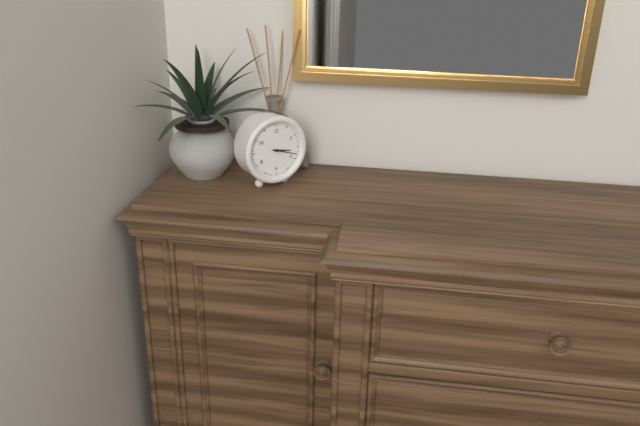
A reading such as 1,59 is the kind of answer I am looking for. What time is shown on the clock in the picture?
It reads 3,18
